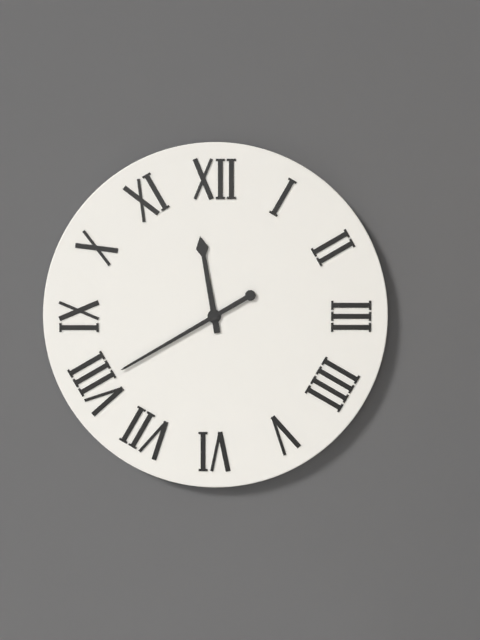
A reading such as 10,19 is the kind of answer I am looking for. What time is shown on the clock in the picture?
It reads 11,40
